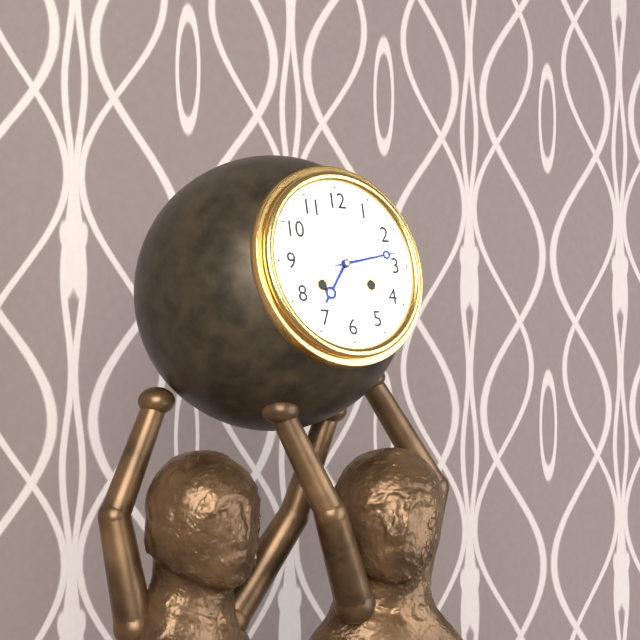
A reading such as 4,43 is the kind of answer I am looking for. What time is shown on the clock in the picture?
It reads 7,13
